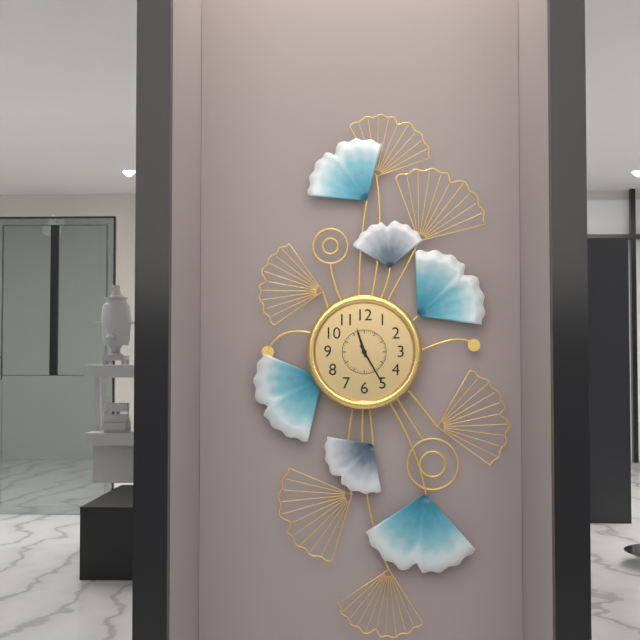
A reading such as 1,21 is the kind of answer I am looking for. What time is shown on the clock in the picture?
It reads 11,25
